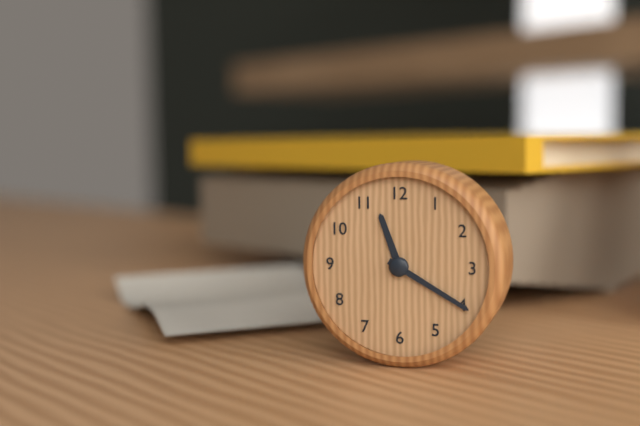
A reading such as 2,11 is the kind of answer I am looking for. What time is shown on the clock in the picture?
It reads 11,20
